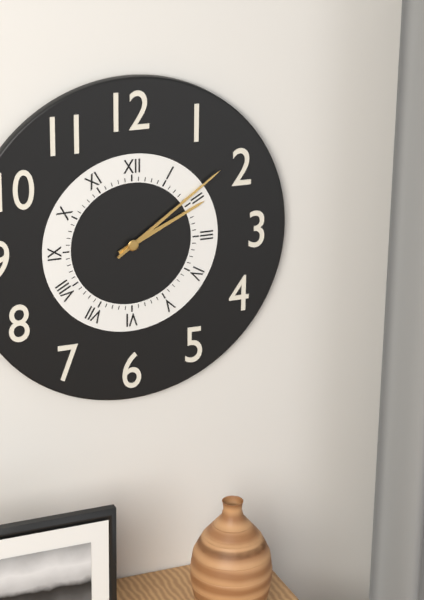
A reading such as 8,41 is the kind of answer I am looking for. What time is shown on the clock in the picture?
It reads 2,09
